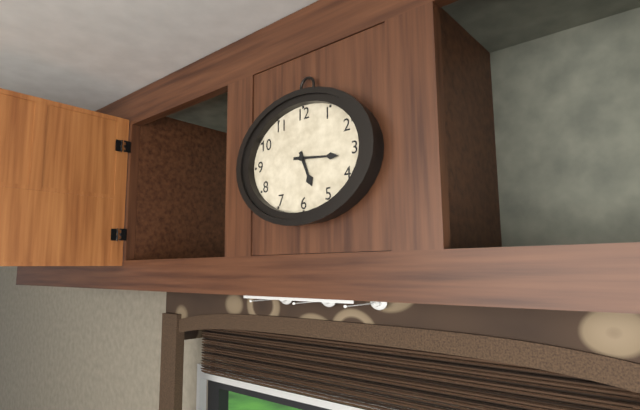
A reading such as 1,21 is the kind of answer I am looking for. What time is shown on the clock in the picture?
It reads 5,16
